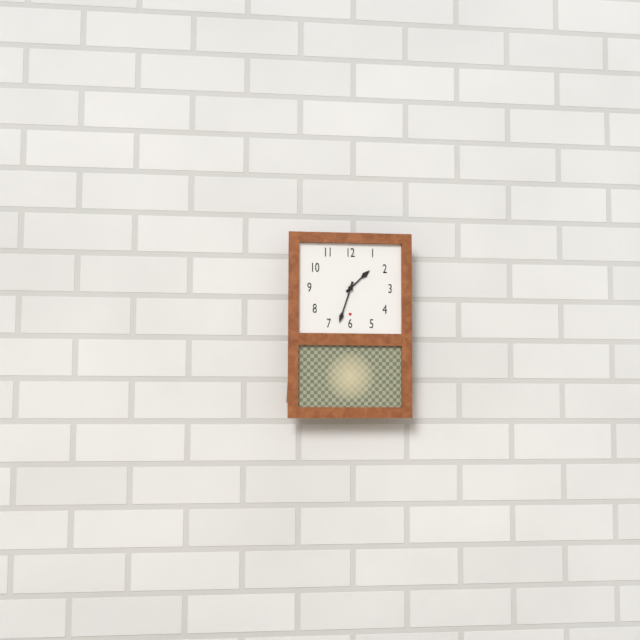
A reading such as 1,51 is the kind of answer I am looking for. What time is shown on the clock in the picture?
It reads 1,33
